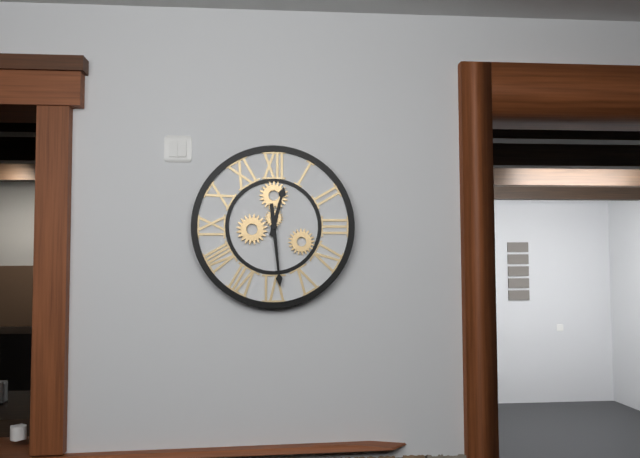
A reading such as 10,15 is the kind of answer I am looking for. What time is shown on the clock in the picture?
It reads 12,29
